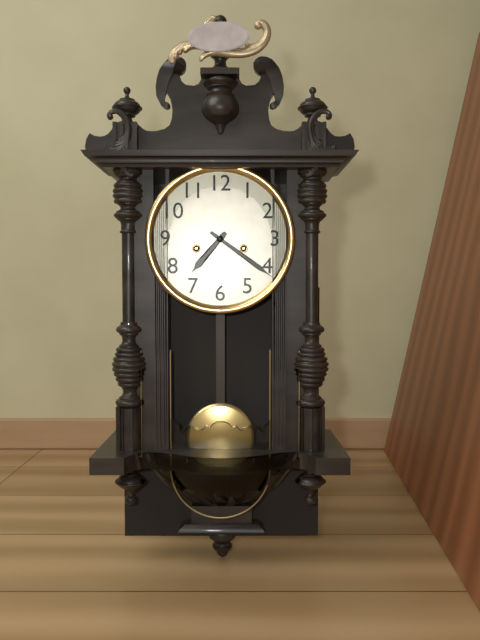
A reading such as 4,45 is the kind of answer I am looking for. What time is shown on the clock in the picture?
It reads 7,21
